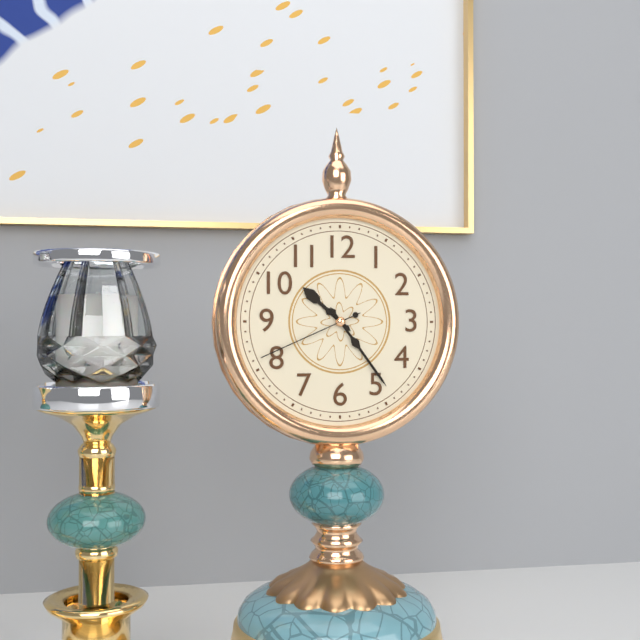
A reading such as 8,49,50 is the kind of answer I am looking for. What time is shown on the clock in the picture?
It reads 10,24,41
